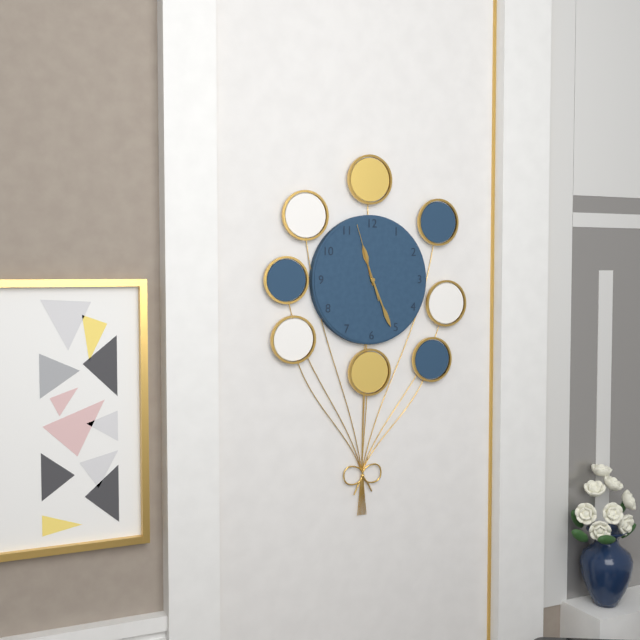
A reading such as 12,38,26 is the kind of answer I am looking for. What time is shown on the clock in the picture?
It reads 11,26,57
